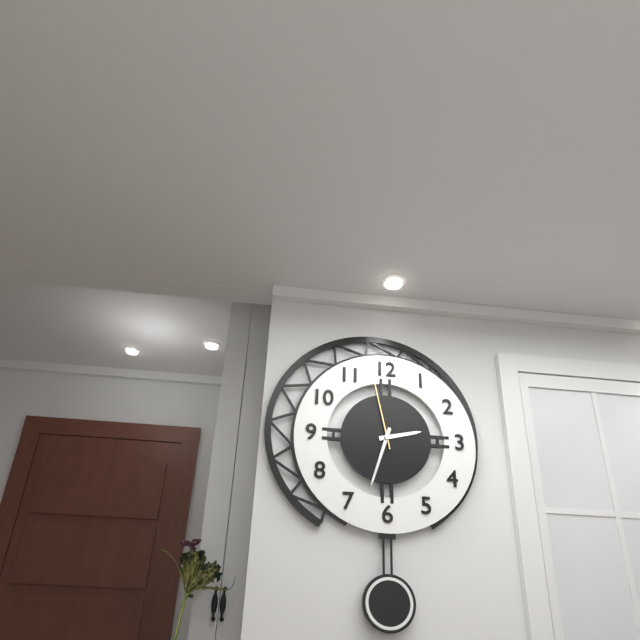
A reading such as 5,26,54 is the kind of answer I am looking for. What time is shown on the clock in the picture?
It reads 2,33,58
